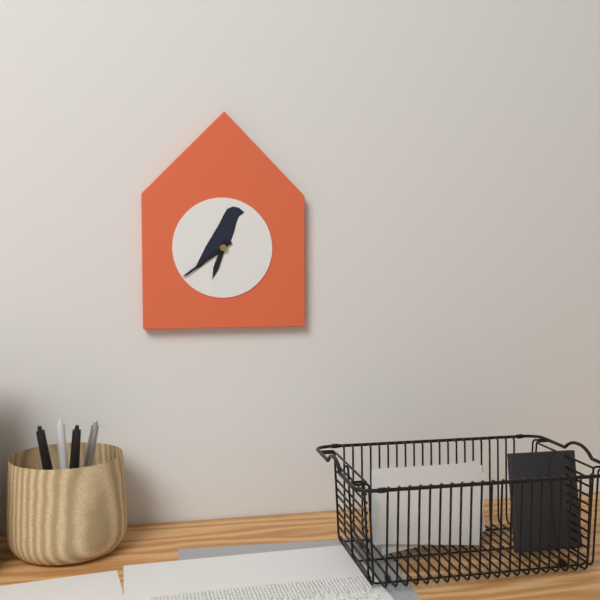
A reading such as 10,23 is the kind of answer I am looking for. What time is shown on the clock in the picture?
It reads 6,39
